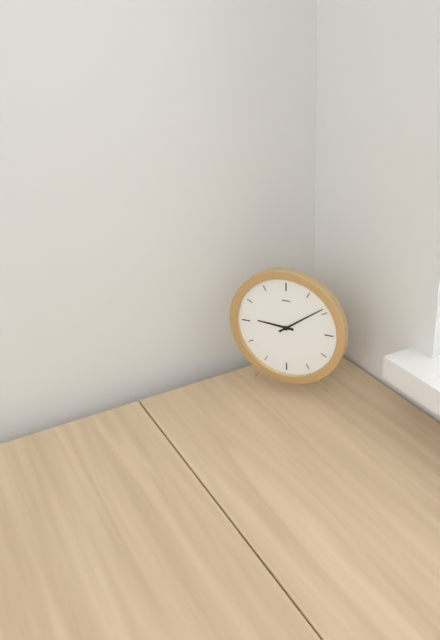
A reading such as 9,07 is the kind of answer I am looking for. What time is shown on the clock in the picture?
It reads 9,09
